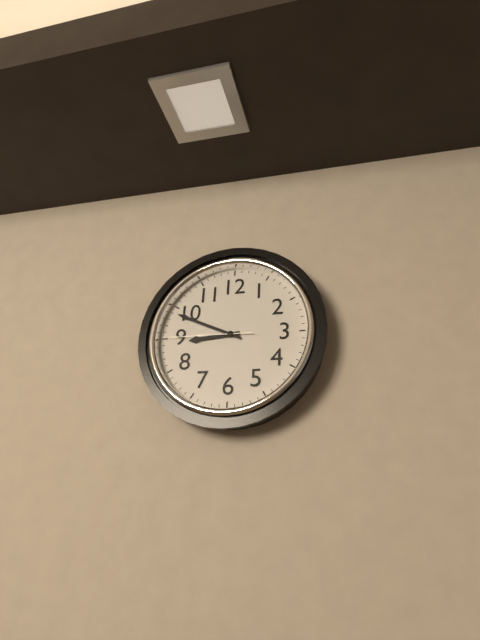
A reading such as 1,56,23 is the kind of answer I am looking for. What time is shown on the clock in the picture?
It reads 8,49,45
